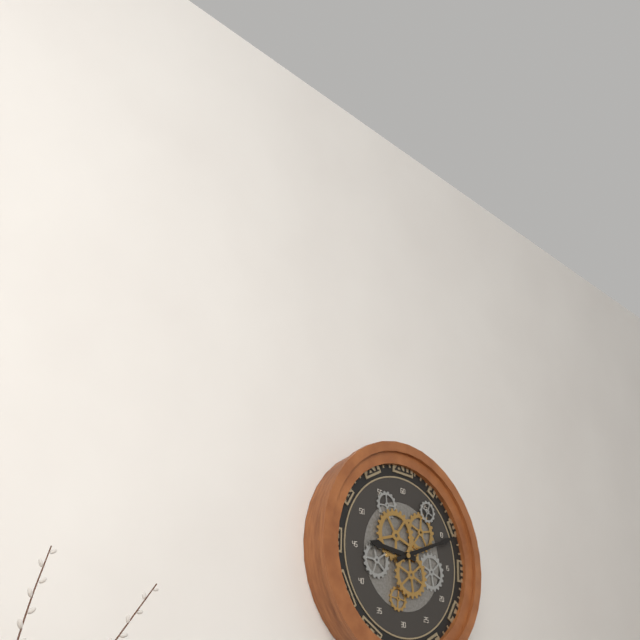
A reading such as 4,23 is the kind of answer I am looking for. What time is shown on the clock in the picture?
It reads 9,11
